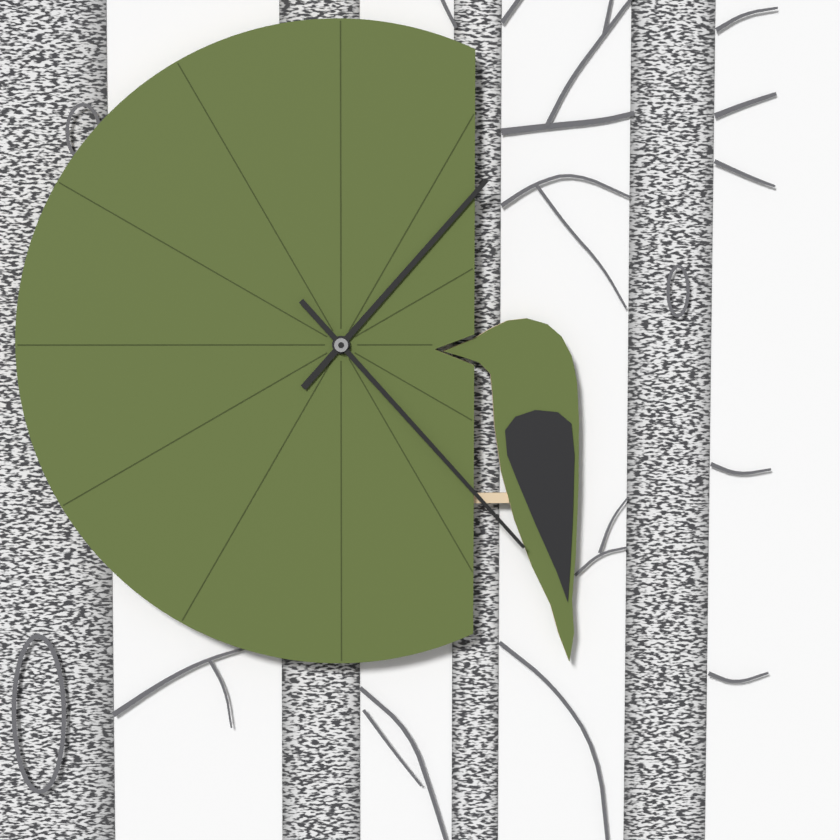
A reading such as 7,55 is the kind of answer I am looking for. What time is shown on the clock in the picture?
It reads 1,23
